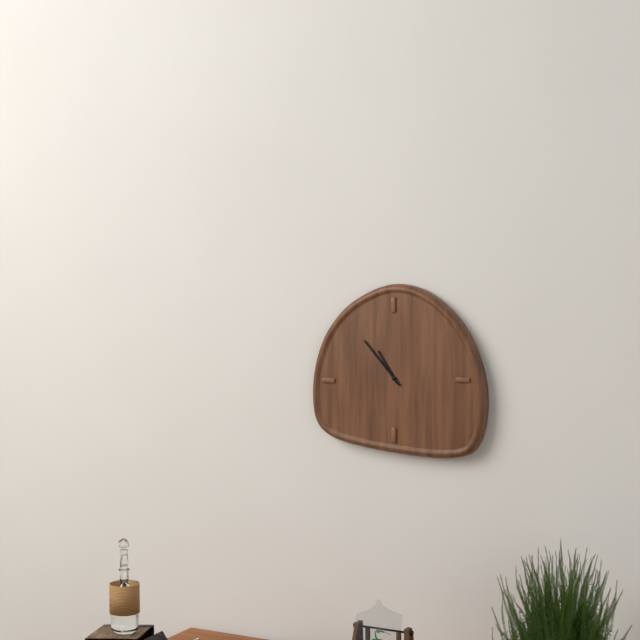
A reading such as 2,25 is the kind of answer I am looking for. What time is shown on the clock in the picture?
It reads 10,53
